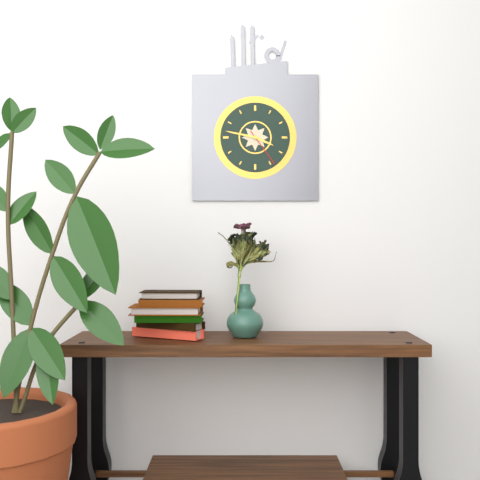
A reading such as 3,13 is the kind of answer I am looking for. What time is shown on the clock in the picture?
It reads 3,47
